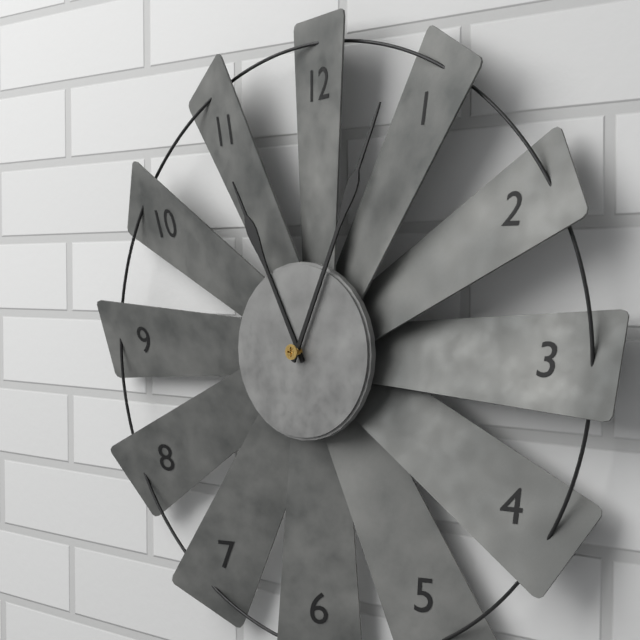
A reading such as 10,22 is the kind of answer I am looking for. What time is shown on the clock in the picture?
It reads 11,04
